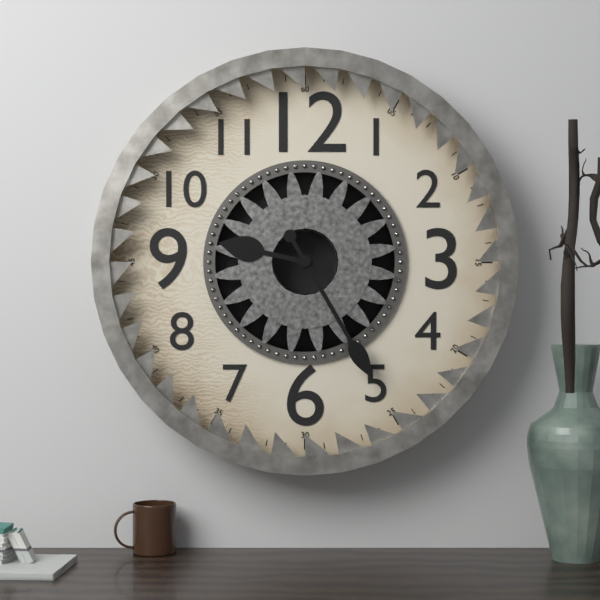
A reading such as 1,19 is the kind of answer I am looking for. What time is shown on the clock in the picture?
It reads 9,25
